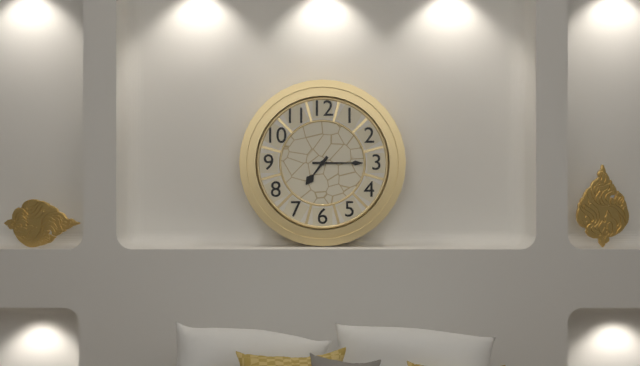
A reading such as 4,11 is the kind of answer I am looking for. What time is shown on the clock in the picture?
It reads 7,15
